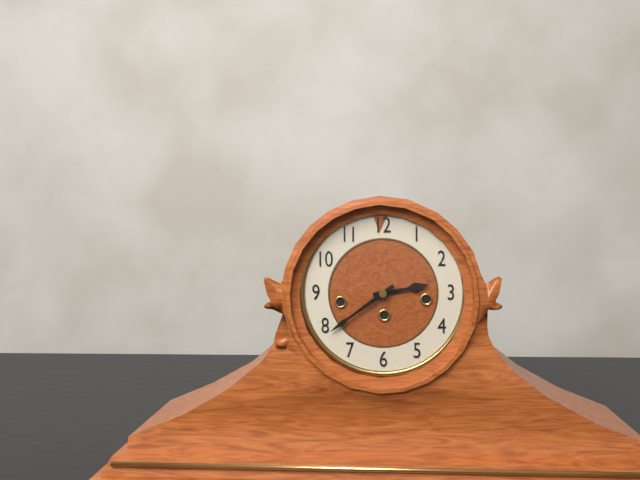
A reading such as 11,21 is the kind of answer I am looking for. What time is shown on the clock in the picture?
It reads 2,39
